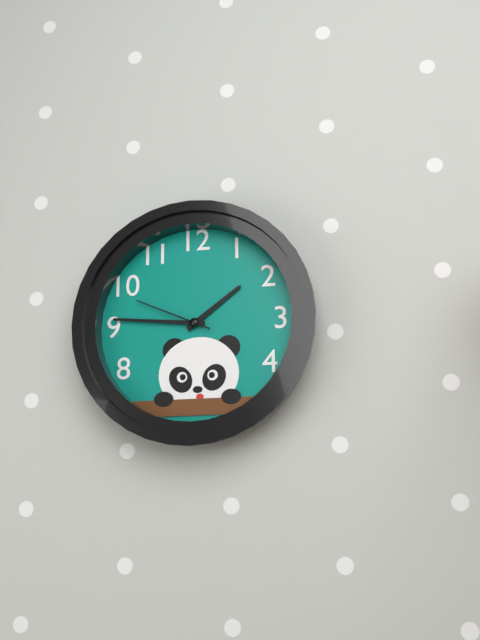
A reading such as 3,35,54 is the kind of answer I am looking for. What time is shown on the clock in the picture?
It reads 1,46,49
